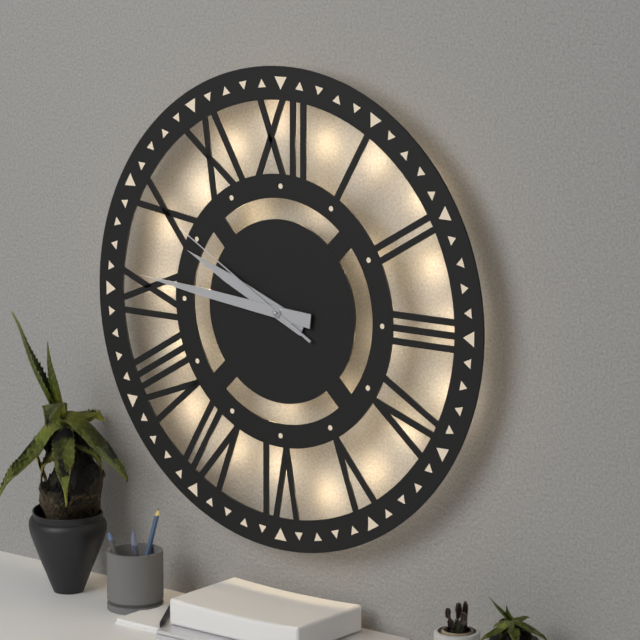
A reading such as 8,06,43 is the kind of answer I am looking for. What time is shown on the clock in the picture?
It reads 9,46,50
